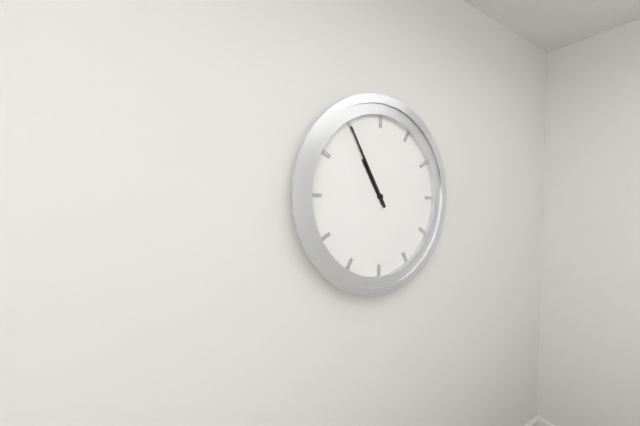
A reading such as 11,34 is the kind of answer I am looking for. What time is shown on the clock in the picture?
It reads 10,55
